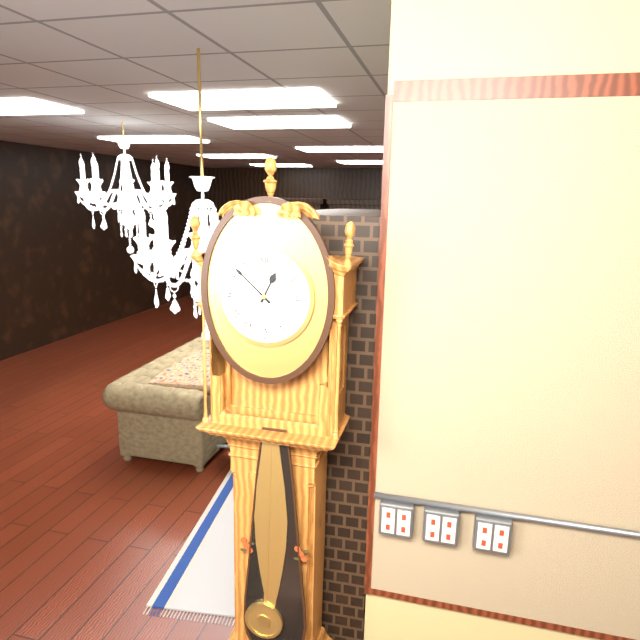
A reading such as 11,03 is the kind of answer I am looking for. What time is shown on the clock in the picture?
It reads 12,52
